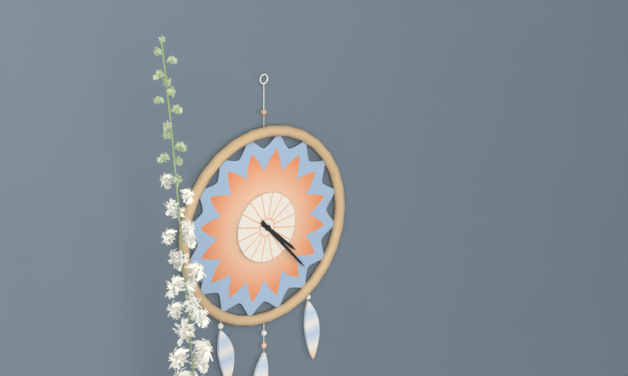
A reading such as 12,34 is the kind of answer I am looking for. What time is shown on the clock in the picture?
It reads 4,23
